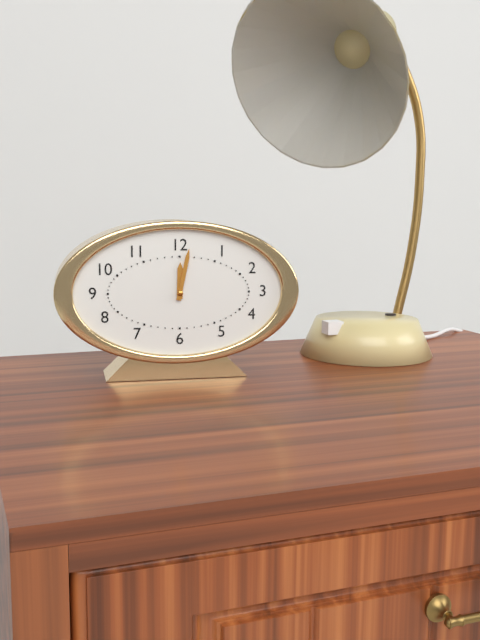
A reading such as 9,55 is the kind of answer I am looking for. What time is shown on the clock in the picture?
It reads 12,02
